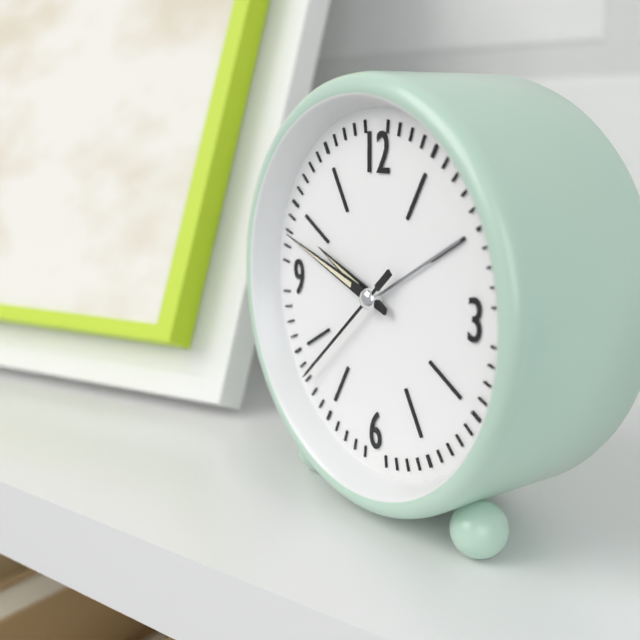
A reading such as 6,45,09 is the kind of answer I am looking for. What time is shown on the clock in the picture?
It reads 9,48,38
